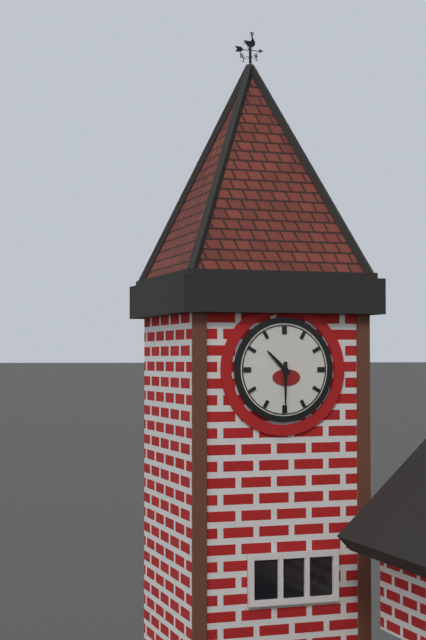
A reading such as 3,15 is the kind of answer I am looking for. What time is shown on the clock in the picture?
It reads 10,30
